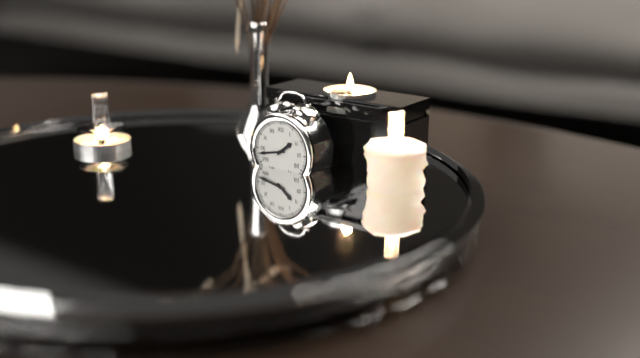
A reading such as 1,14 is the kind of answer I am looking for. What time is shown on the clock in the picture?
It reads 1,43
